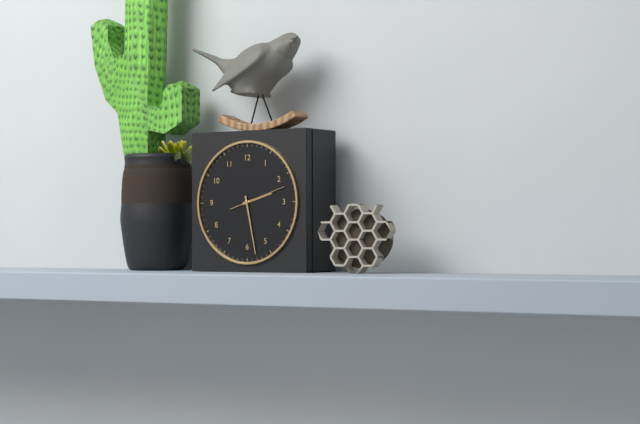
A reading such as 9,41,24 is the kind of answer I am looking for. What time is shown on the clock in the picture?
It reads 2,28,12
